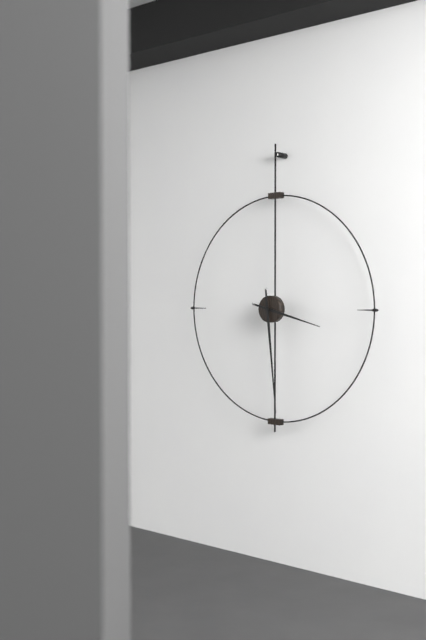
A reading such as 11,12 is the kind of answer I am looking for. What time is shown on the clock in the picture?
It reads 3,29
